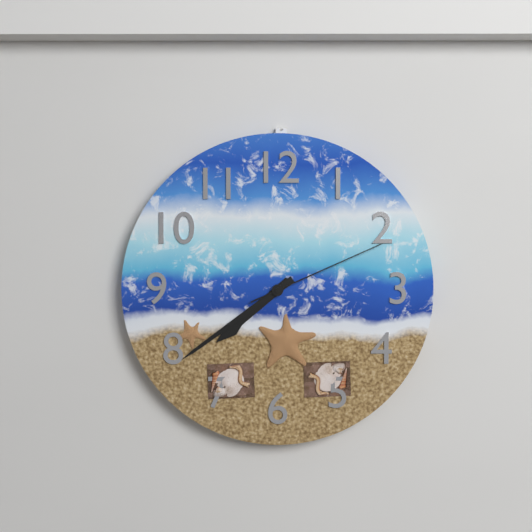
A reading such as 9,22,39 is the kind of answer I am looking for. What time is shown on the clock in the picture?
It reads 7,39,11
